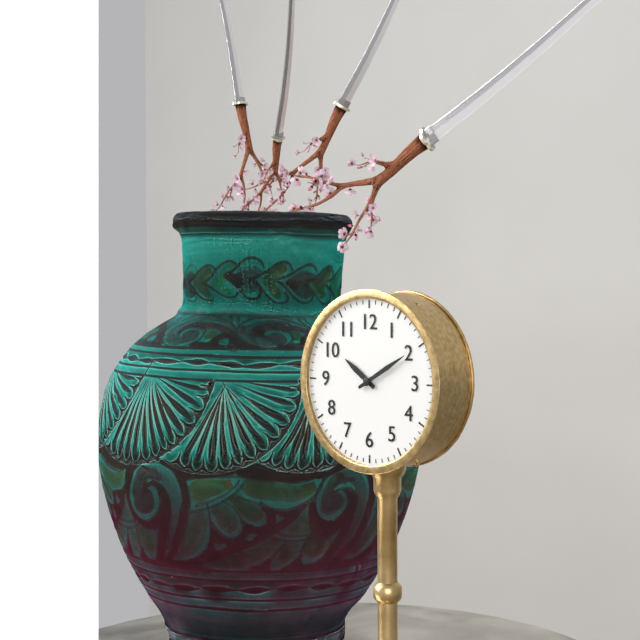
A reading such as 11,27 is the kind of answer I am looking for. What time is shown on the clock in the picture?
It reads 10,10
